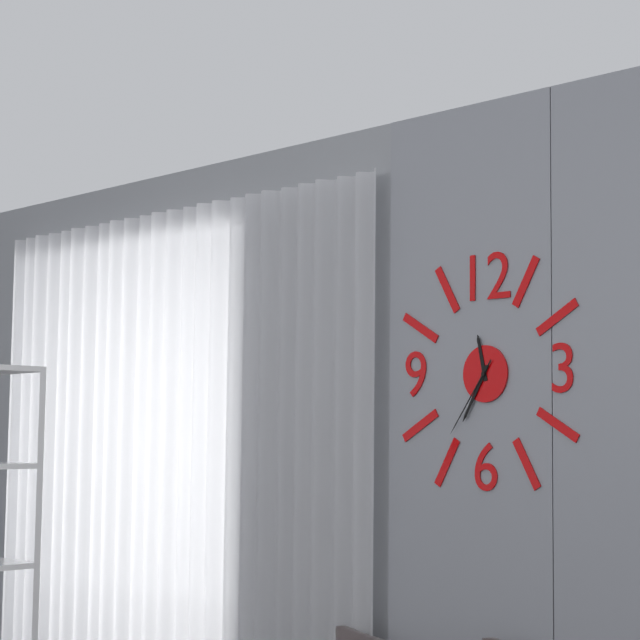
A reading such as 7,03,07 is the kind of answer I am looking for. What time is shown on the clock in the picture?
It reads 11,35,36
